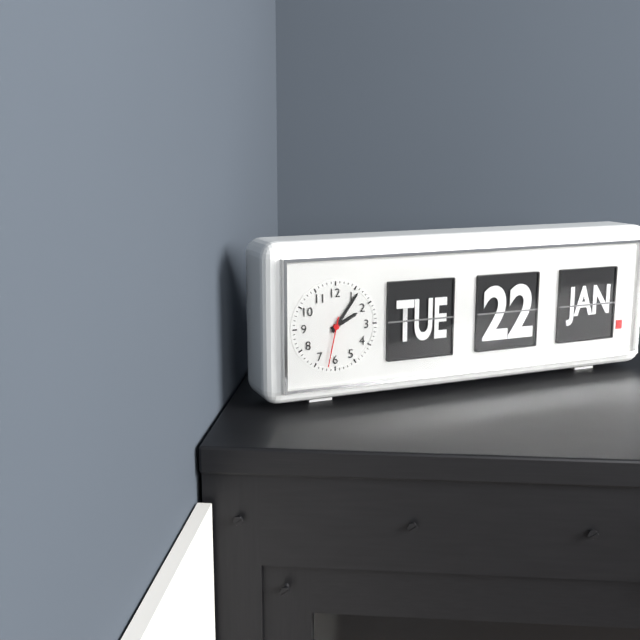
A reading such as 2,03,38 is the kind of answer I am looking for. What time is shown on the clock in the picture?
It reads 2,06,32
